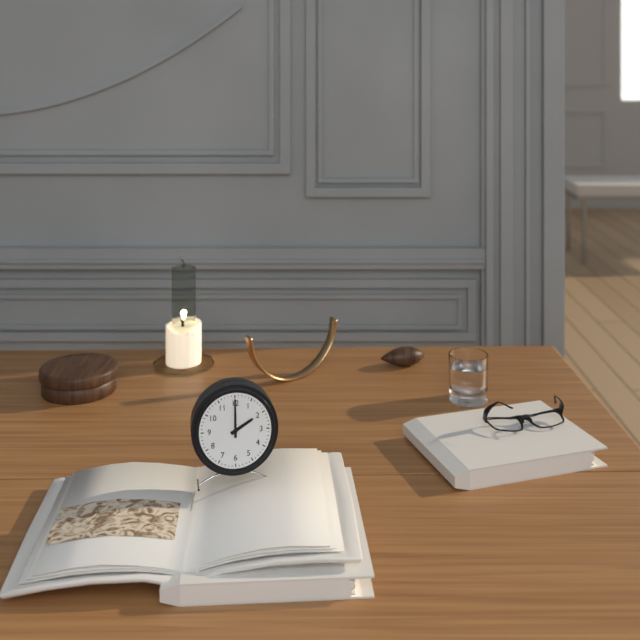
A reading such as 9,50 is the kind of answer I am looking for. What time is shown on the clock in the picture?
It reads 2,00
